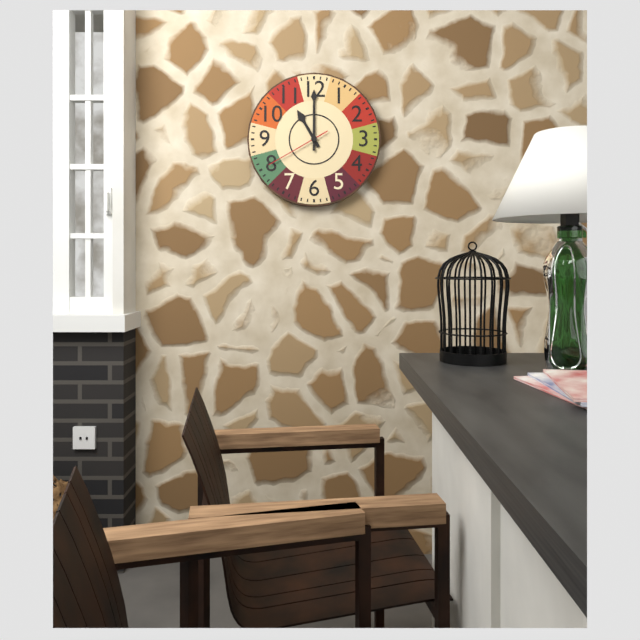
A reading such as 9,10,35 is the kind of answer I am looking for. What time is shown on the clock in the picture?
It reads 11,00,40
